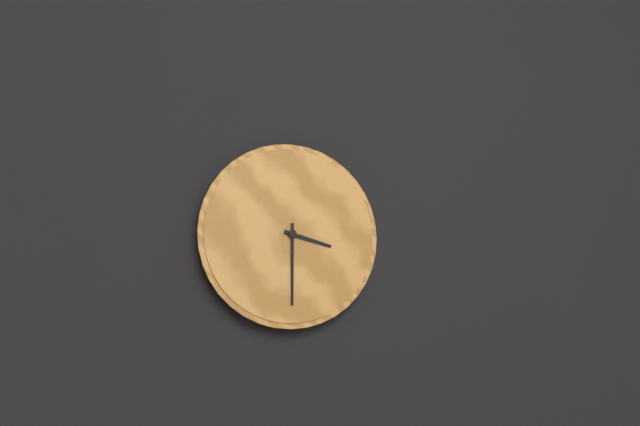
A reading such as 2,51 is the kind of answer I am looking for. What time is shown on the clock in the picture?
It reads 3,30
